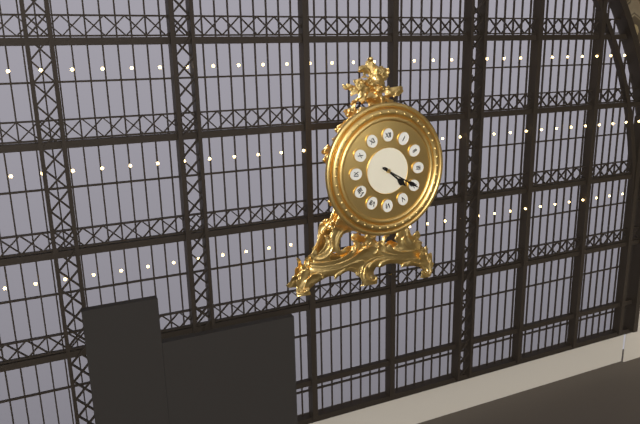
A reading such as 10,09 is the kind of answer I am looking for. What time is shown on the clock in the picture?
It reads 4,20
